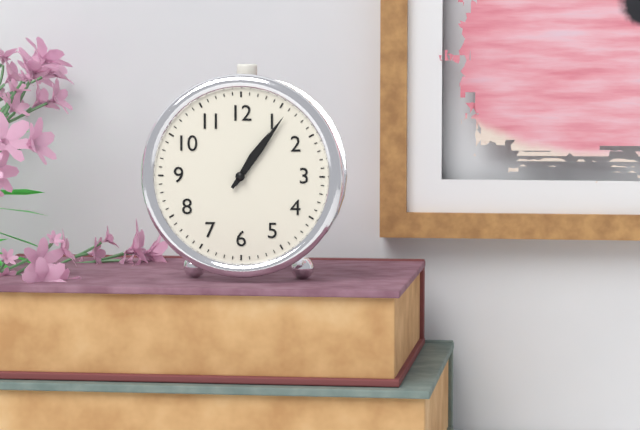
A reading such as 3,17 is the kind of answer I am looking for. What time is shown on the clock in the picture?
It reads 1,06
